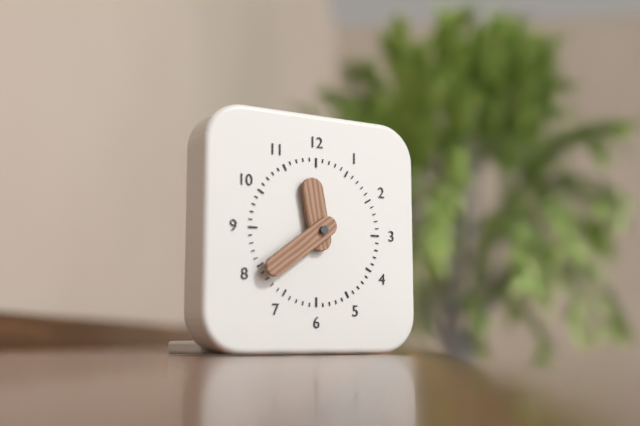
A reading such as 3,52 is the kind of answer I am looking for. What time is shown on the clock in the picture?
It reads 11,39
